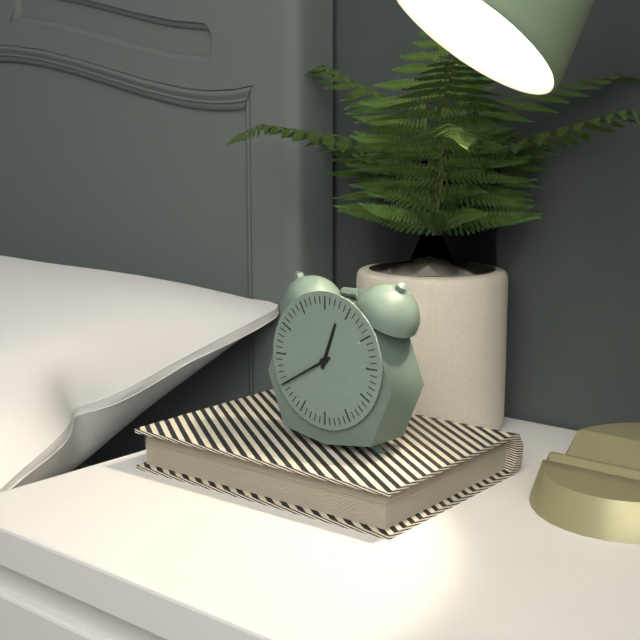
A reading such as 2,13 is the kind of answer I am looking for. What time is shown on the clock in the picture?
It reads 12,40
